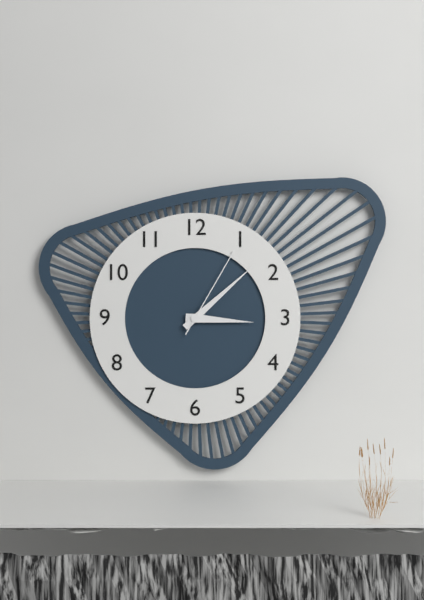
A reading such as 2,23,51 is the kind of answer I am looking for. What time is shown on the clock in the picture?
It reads 3,08,05
